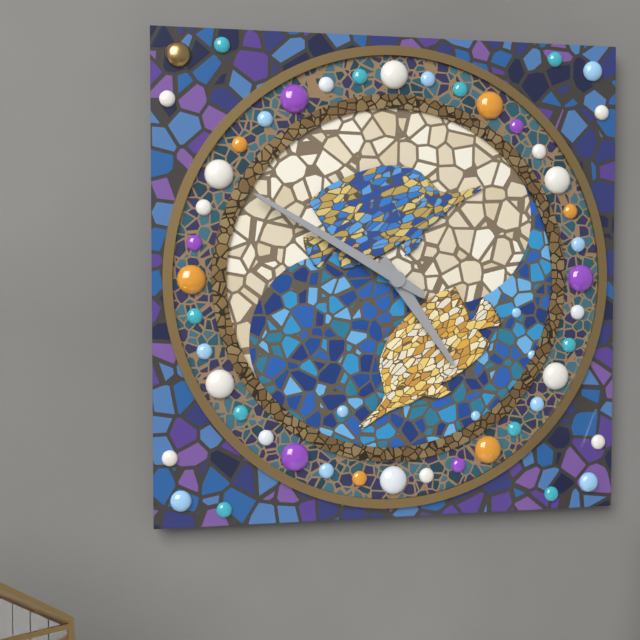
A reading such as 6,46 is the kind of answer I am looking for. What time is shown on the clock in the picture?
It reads 4,50
